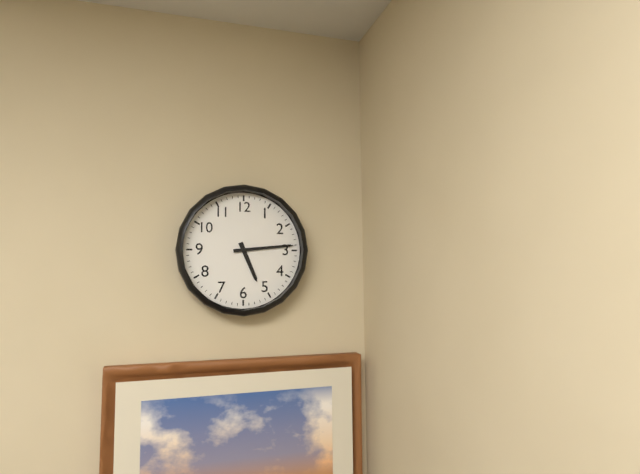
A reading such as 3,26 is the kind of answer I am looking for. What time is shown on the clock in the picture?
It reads 5,14
